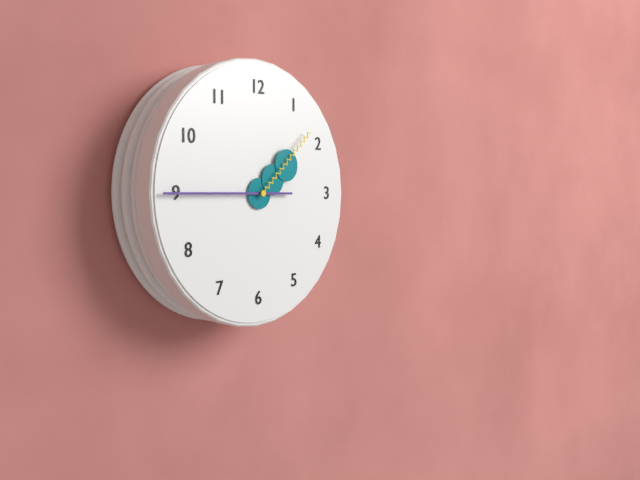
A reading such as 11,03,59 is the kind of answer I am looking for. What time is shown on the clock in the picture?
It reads 1,45,08
